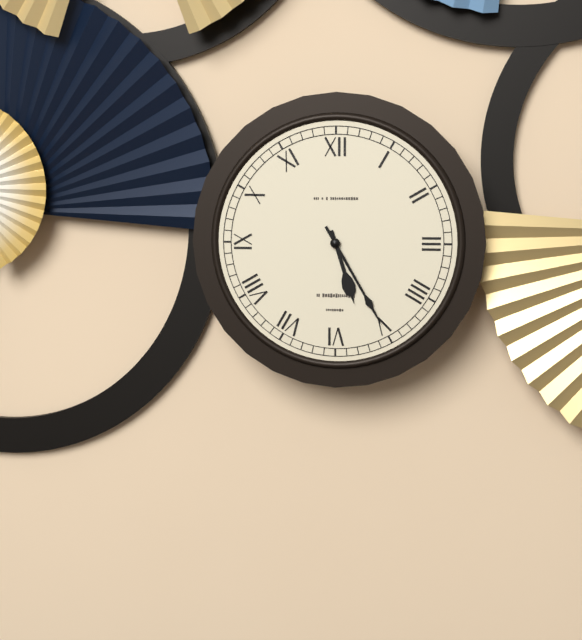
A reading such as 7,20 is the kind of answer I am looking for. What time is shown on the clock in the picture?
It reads 5,25
